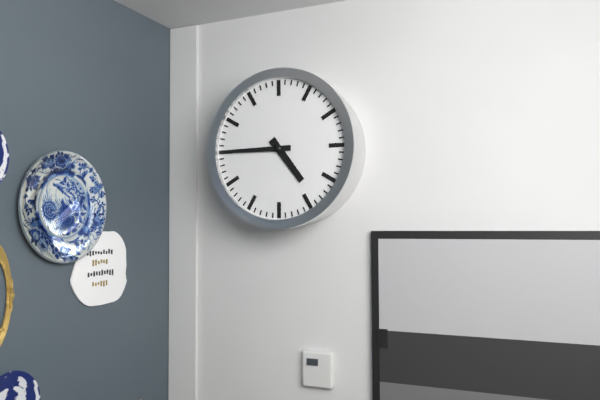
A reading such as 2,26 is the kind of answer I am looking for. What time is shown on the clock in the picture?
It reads 4,45
